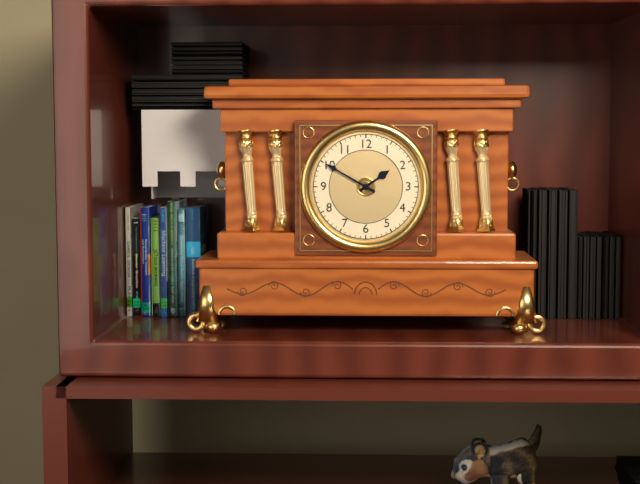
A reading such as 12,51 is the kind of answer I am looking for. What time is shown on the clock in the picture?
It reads 1,50
